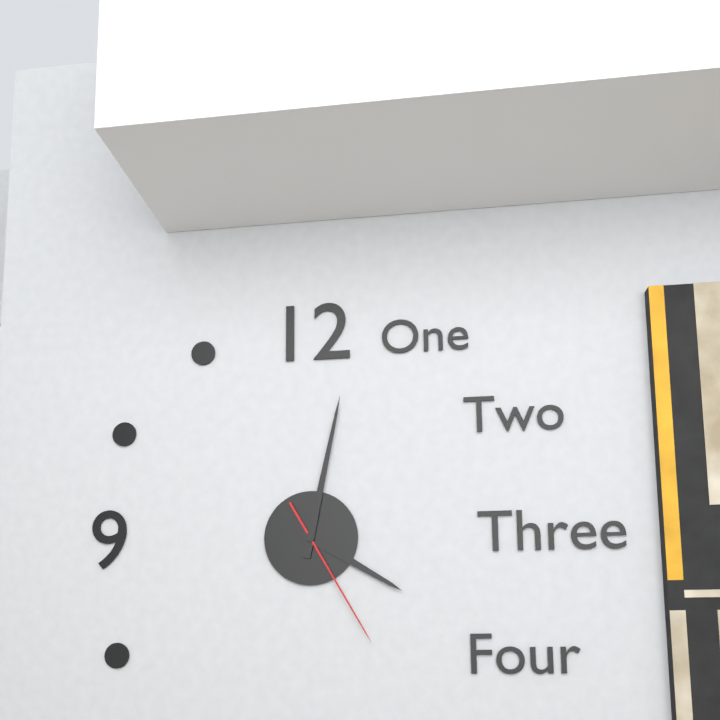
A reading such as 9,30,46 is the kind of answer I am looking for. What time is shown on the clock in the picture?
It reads 4,02,25
